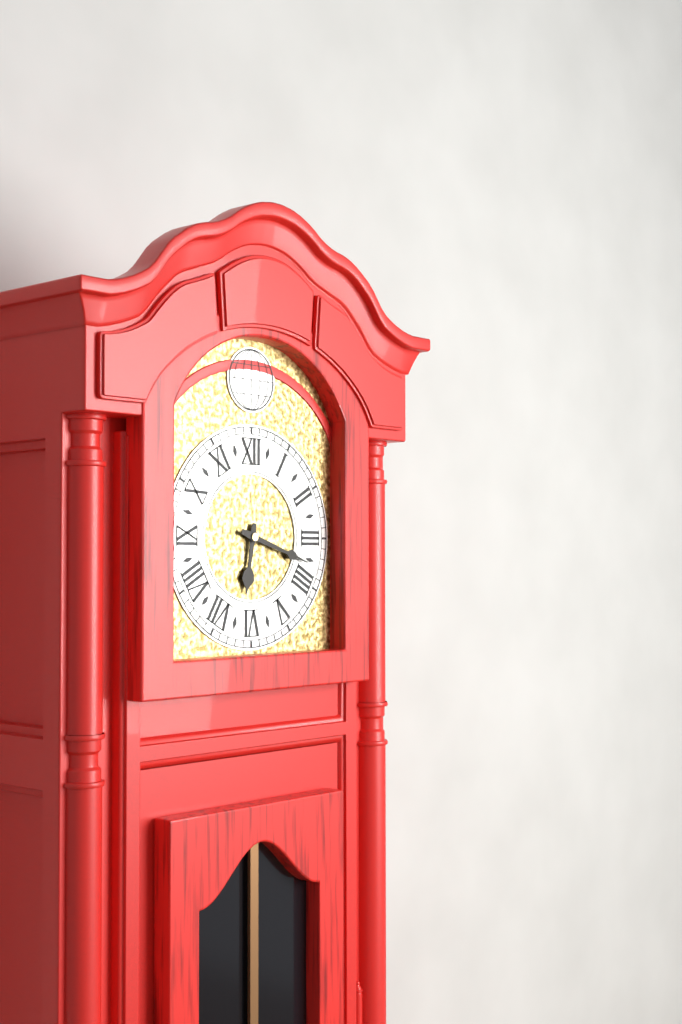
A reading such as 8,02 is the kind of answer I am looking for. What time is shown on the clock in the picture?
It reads 6,18
